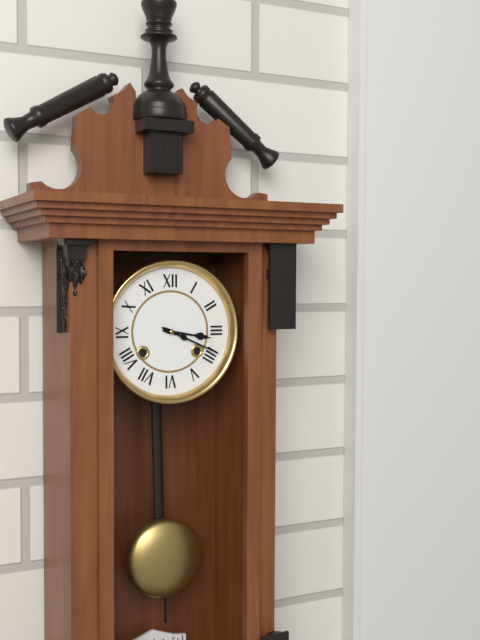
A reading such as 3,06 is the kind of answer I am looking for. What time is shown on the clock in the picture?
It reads 3,19
